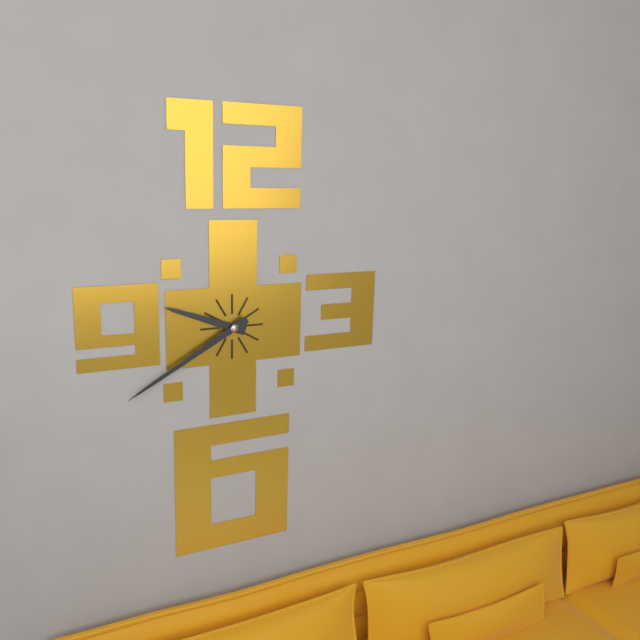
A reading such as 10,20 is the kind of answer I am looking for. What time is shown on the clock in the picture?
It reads 9,40
